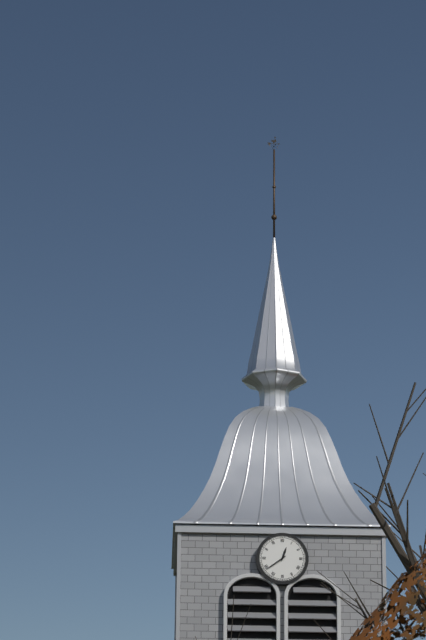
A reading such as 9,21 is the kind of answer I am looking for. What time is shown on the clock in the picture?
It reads 12,39
